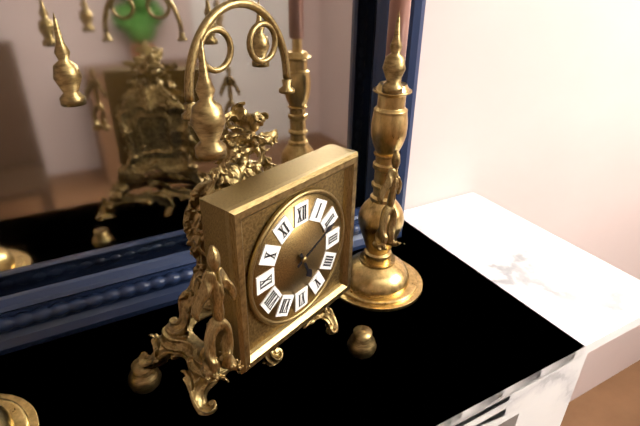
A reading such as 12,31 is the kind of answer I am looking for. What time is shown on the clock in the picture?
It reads 5,11
